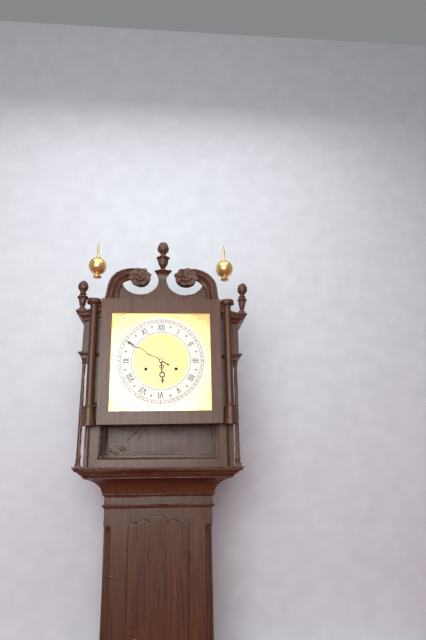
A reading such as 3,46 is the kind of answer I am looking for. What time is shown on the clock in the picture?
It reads 5,50
